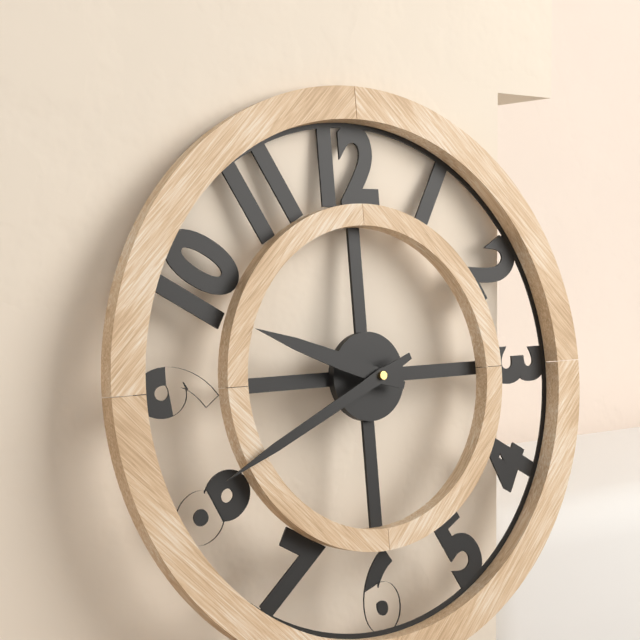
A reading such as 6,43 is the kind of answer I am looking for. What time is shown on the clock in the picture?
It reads 9,41
